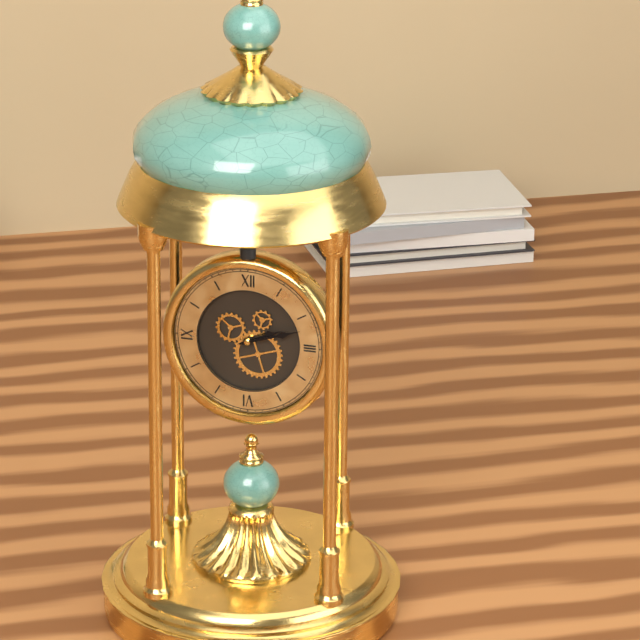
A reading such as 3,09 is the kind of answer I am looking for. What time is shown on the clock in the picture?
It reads 2,12
